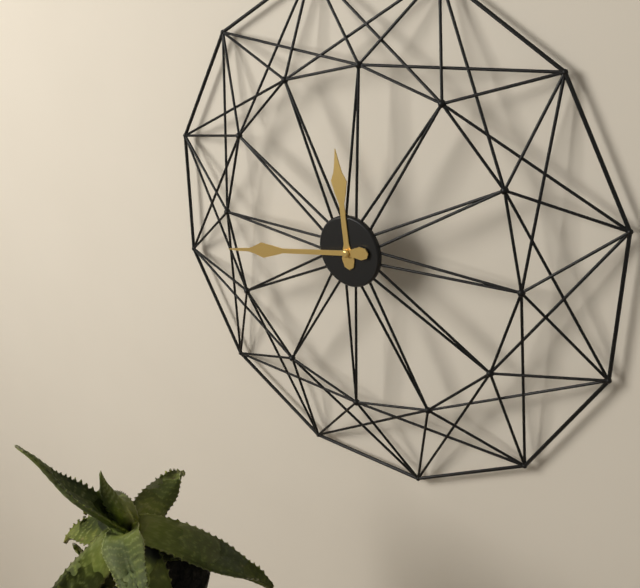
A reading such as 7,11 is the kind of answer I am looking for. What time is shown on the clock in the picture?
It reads 11,43
